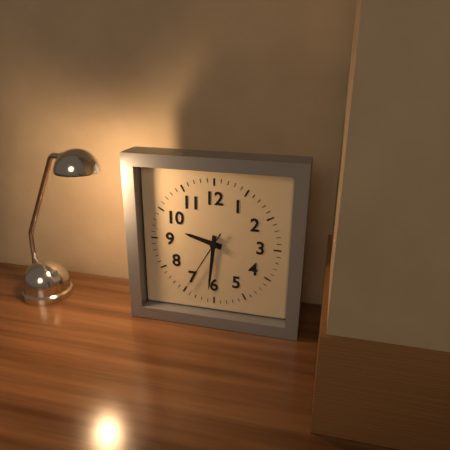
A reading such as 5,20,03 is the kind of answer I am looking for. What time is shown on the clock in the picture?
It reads 9,31,35
